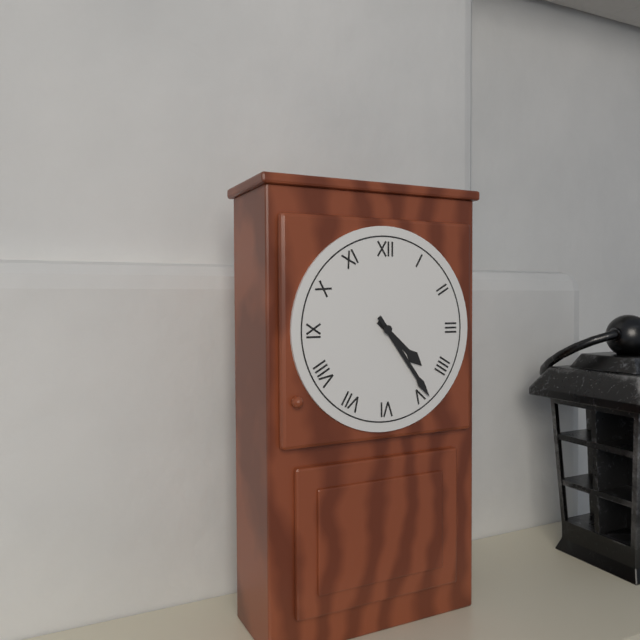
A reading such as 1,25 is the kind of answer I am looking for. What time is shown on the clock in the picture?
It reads 4,24
